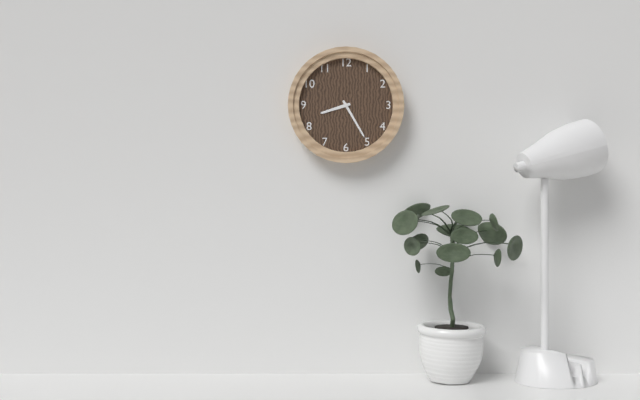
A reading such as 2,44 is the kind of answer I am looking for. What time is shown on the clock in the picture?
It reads 8,25
